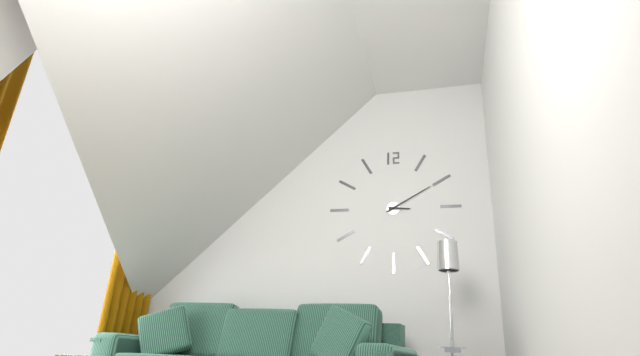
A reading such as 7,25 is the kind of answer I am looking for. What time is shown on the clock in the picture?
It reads 3,10
